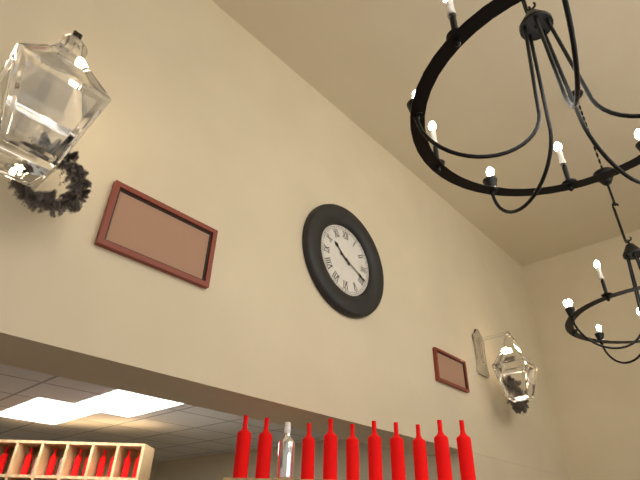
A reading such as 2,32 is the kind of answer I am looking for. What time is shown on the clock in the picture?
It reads 10,19
